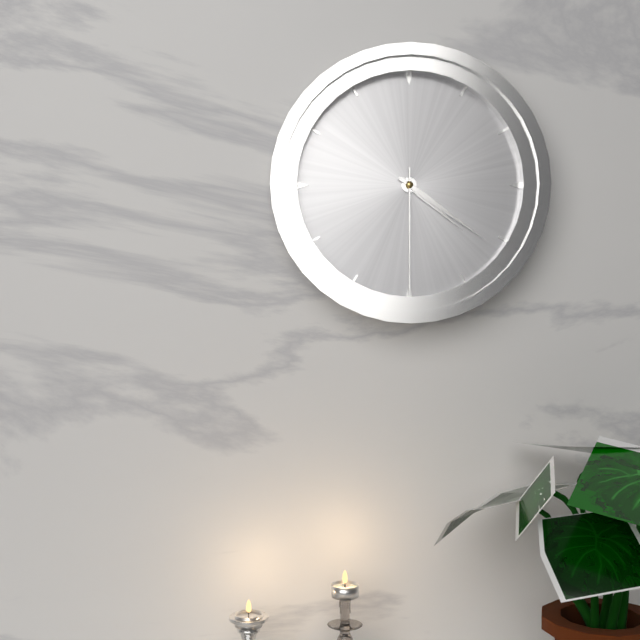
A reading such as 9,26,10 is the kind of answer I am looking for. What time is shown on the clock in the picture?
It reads 4,21,30
